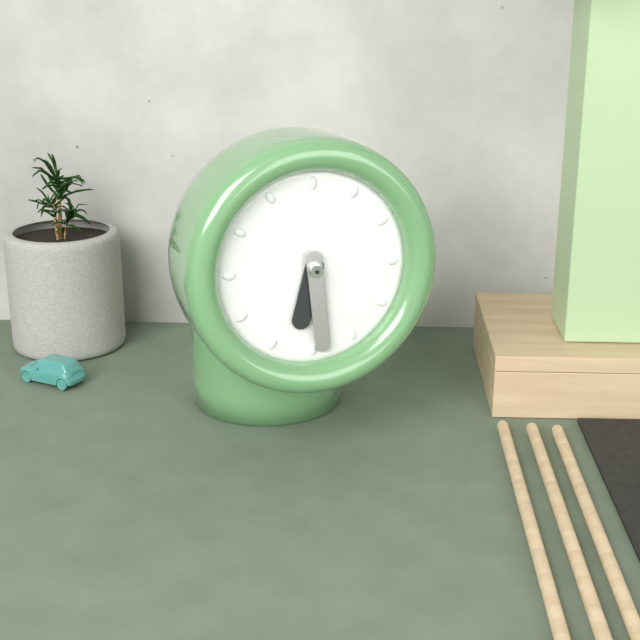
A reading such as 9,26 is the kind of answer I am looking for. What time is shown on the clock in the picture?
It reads 6,29
